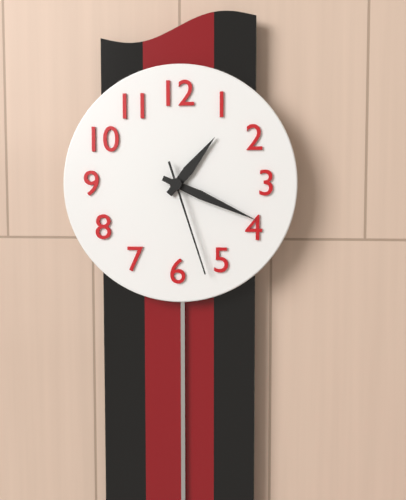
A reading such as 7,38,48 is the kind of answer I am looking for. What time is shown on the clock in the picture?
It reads 1,19,27
